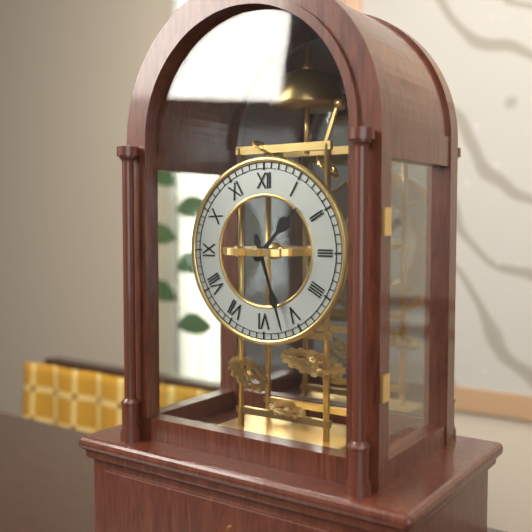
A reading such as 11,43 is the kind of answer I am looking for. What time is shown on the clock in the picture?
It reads 1,27
